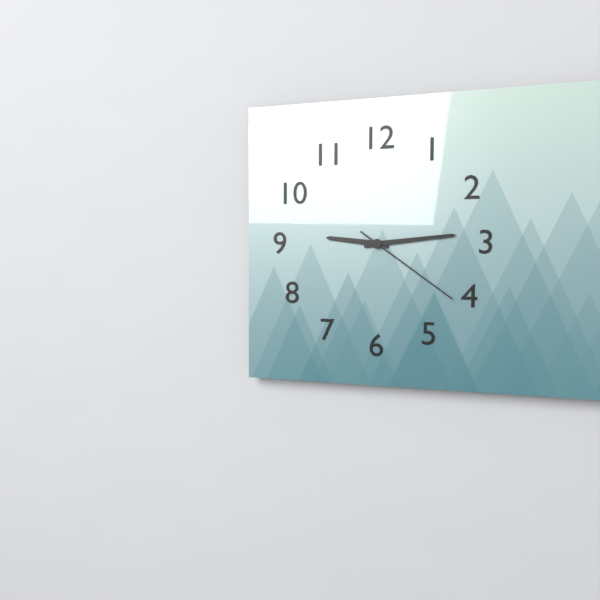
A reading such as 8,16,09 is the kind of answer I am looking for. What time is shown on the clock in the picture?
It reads 9,14,21
